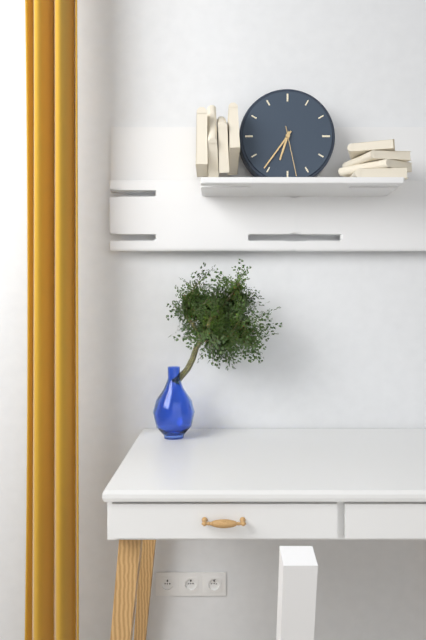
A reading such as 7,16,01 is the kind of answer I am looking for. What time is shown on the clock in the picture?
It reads 6,36,28
